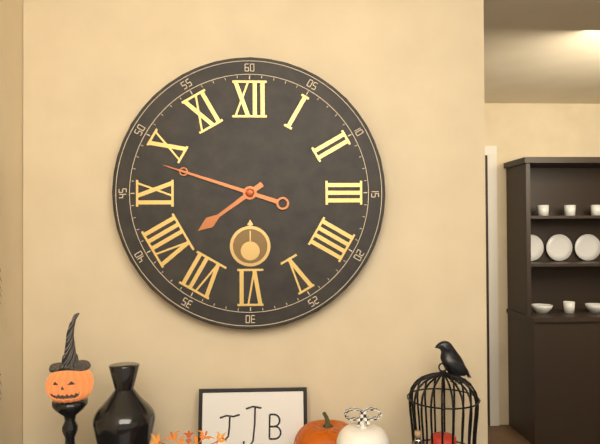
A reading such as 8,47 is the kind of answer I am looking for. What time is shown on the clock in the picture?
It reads 7,48
